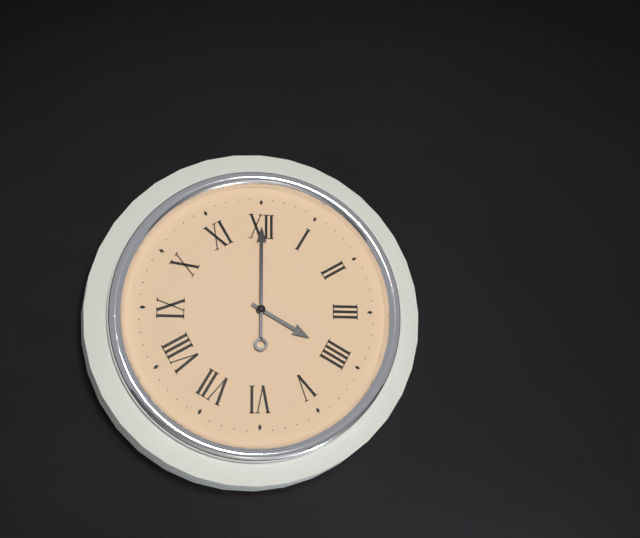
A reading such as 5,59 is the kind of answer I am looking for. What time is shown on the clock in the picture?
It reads 4,00
